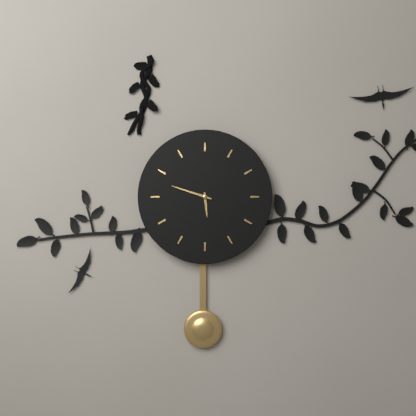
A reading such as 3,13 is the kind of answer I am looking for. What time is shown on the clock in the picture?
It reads 5,48
